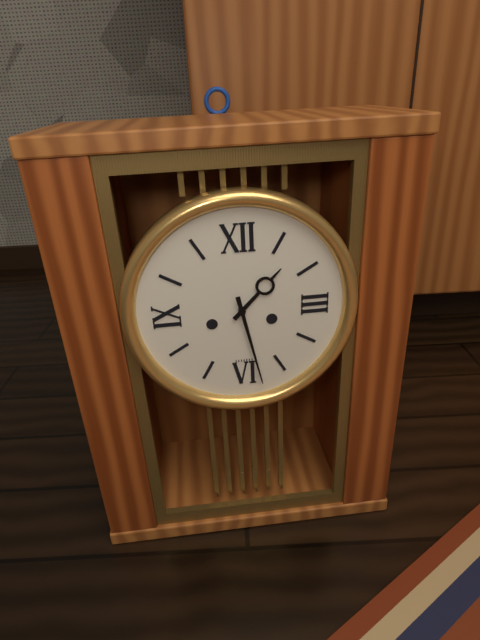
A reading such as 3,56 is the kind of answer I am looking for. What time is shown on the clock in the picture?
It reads 1,28
